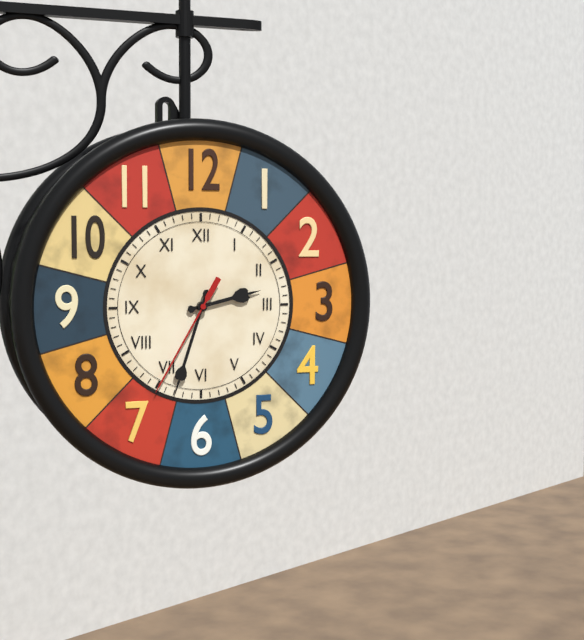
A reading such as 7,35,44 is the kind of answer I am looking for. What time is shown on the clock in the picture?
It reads 2,33,35
